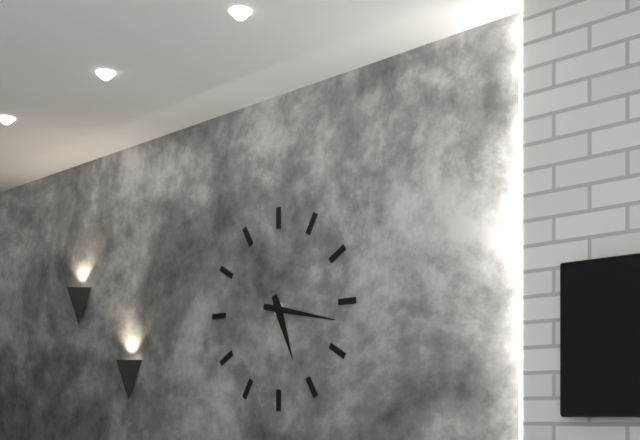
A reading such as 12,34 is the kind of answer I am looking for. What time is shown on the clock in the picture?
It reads 5,17
